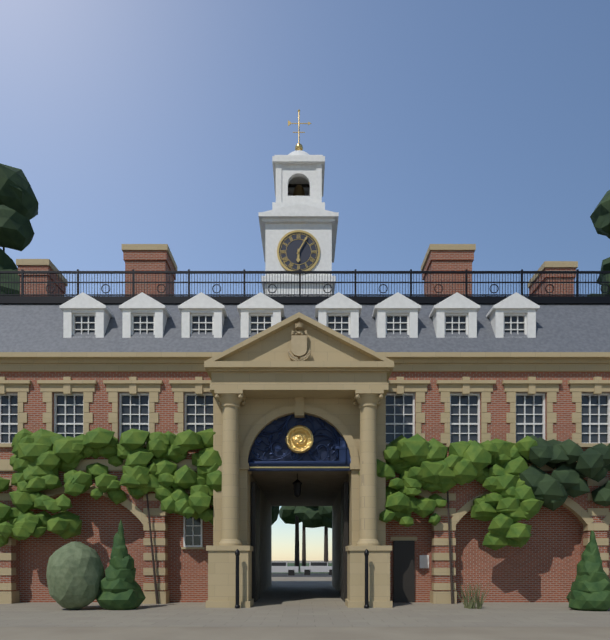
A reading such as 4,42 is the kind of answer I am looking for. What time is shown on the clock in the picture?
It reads 6,05
